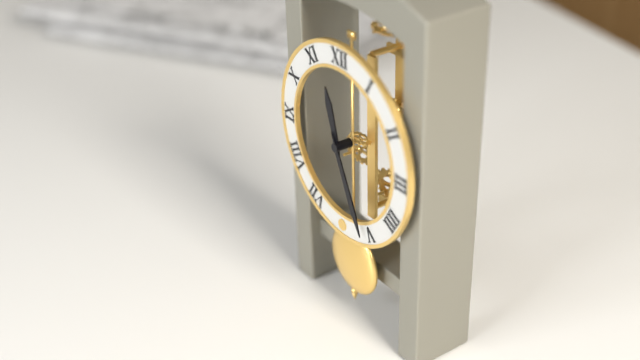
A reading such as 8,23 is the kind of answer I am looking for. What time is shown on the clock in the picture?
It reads 11,26
